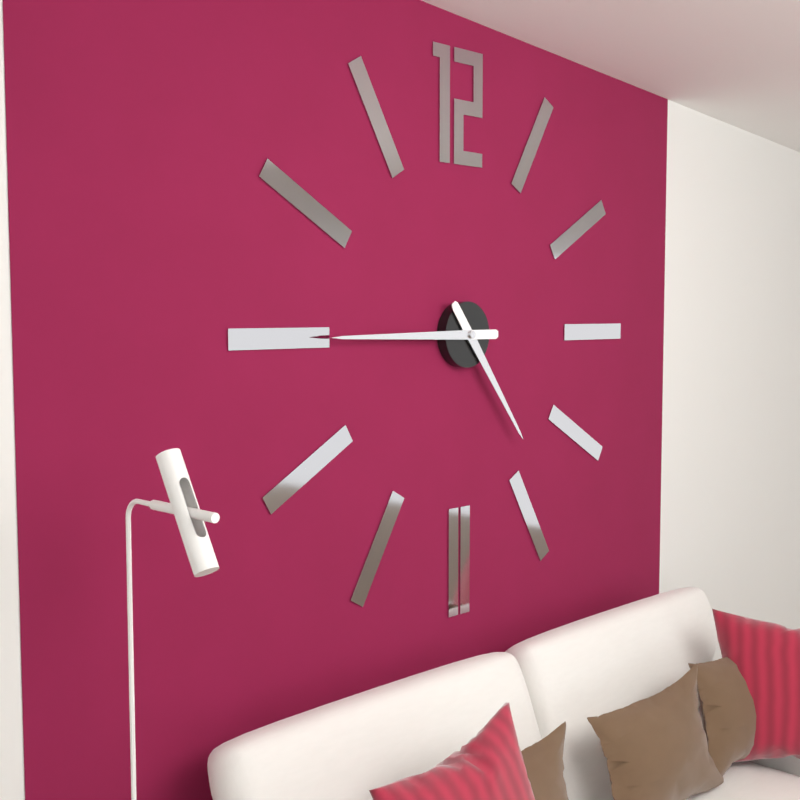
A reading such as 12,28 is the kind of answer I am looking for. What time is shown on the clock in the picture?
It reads 4,45
